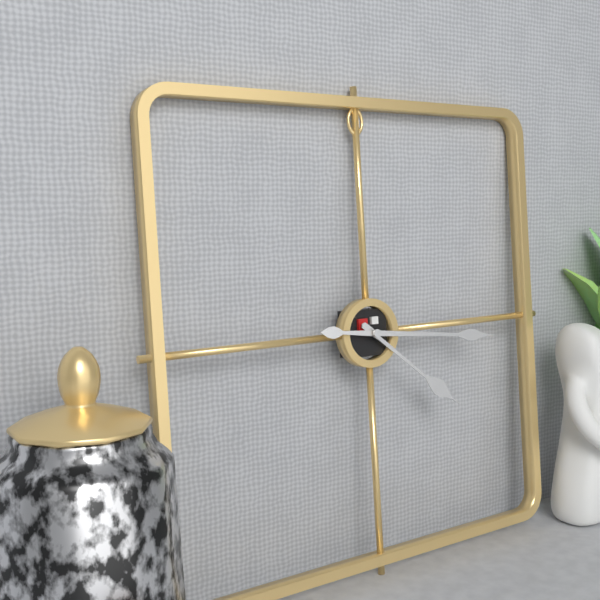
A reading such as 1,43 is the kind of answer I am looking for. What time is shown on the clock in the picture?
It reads 4,16
